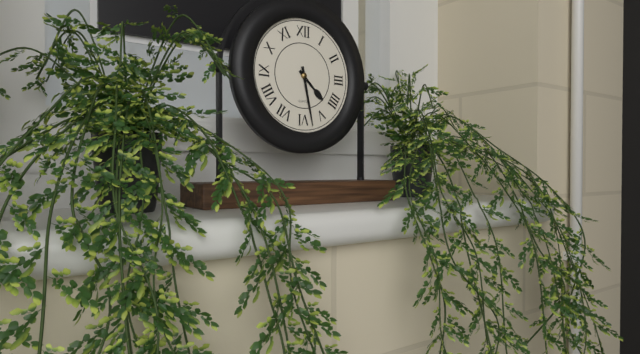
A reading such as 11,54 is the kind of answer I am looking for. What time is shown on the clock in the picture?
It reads 4,28
